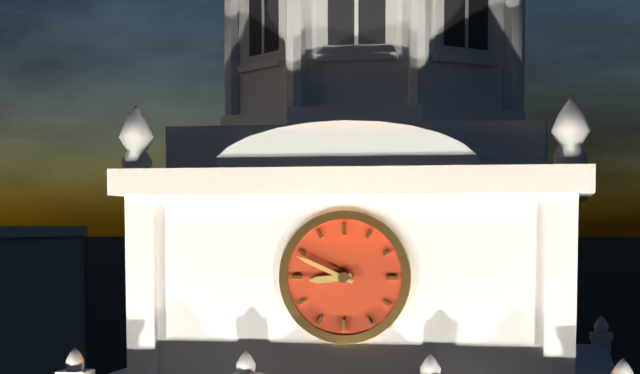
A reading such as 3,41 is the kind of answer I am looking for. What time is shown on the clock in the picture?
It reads 8,49
